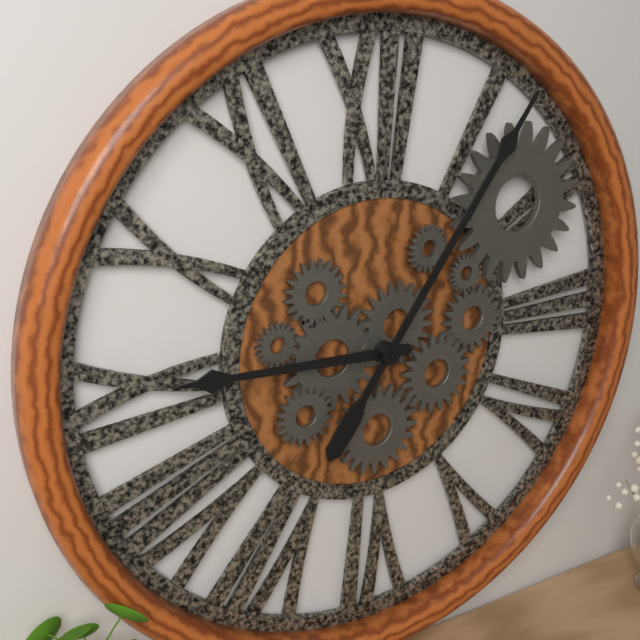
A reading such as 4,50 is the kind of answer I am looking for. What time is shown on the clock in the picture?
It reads 9,06
